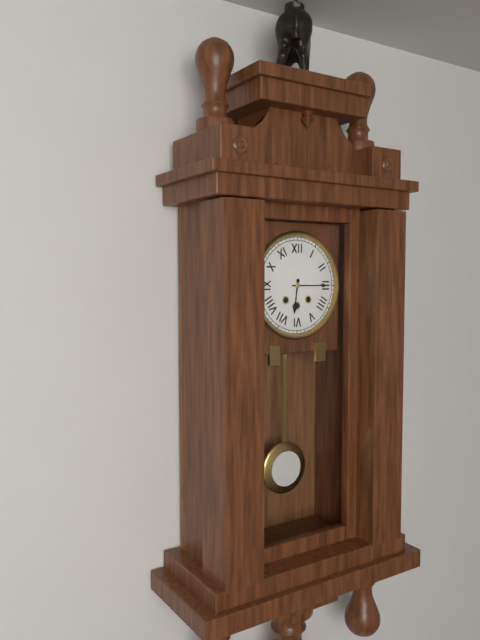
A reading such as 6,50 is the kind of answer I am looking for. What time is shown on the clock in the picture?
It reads 6,15
